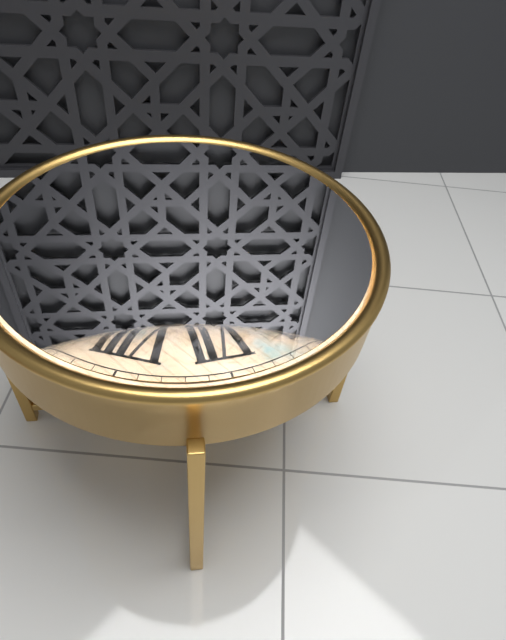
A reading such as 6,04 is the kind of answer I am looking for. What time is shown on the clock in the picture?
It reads 8,06
